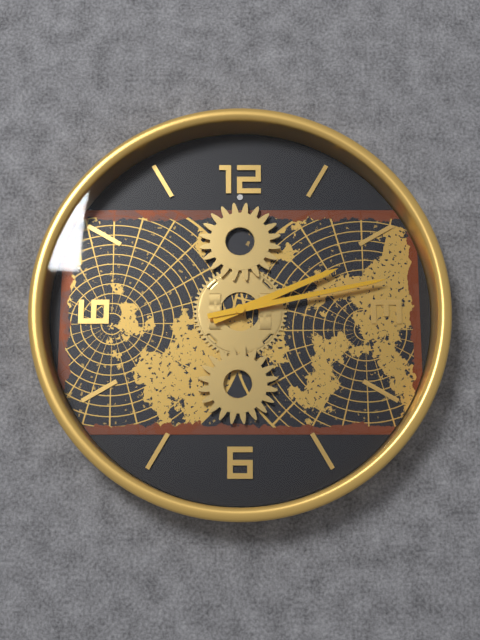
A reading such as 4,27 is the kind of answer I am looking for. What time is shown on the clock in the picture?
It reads 2,13
